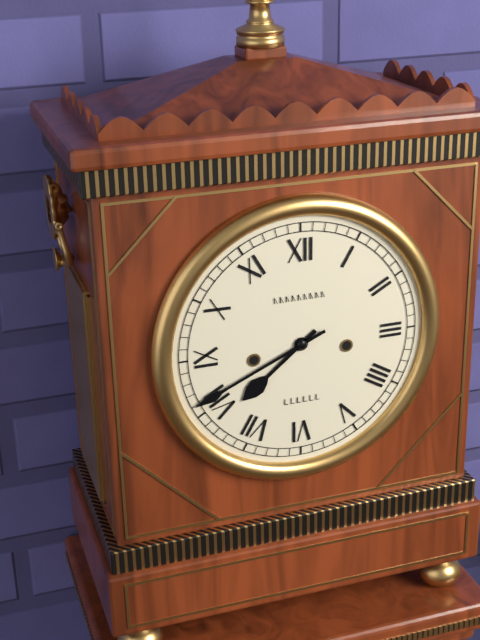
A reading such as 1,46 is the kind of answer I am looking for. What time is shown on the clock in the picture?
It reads 7,41
